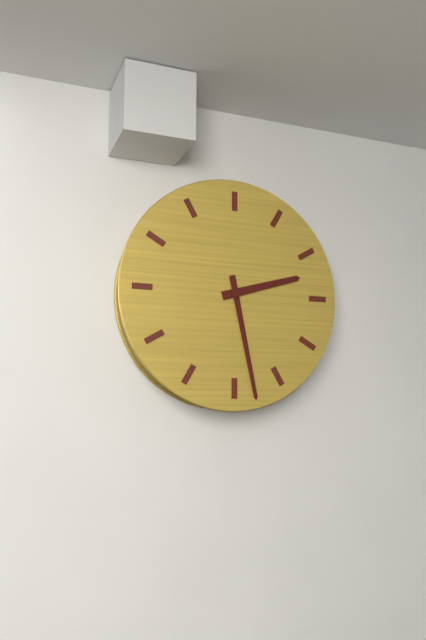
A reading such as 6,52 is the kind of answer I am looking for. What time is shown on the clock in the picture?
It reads 2,28
